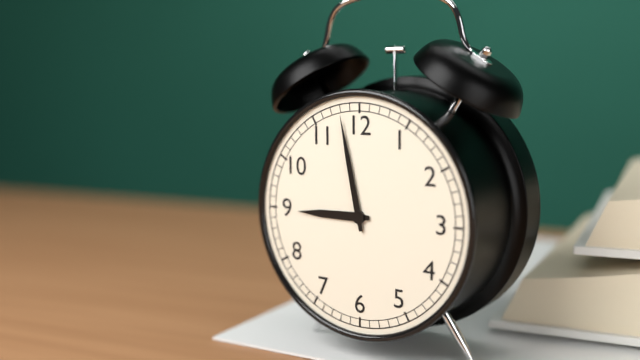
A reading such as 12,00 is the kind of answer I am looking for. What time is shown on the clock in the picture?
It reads 8,58
